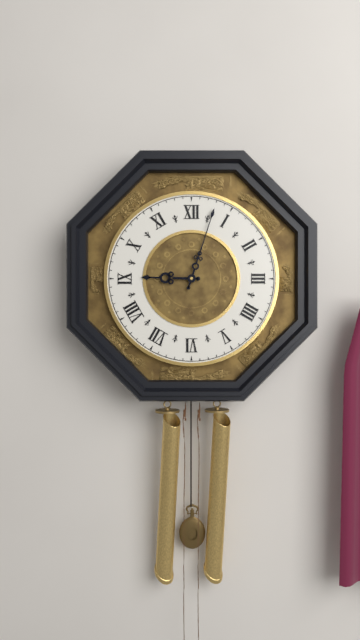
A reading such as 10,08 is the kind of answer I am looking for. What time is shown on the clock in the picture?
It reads 9,03
